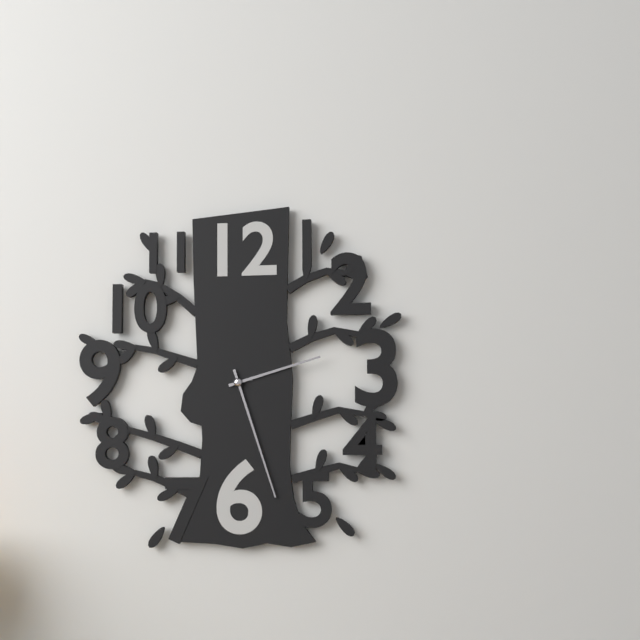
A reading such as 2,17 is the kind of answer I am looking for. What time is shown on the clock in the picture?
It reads 2,27
